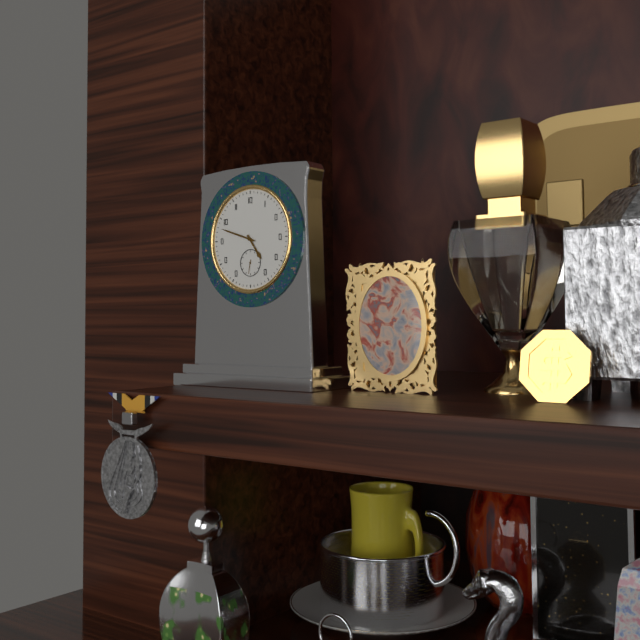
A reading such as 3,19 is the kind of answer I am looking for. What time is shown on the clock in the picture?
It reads 4,48
